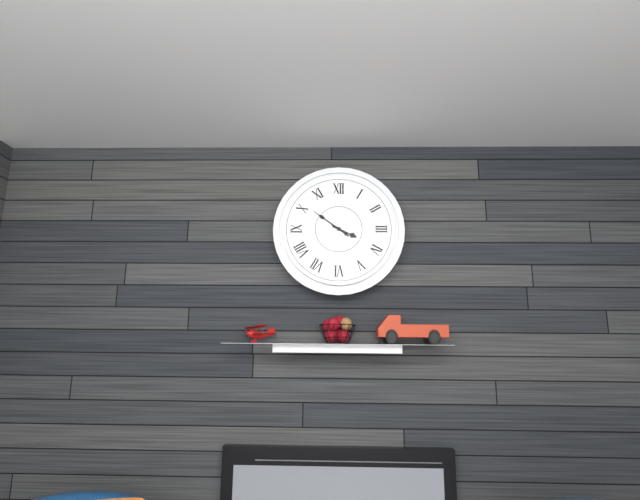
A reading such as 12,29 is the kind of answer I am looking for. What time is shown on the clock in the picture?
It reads 3,51
